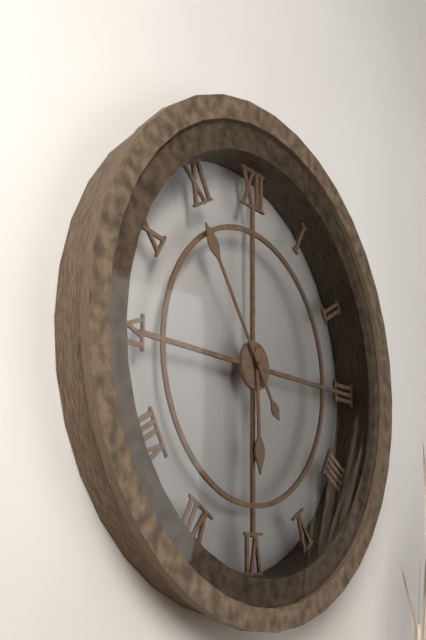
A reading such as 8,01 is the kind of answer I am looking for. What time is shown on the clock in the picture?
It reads 5,54
